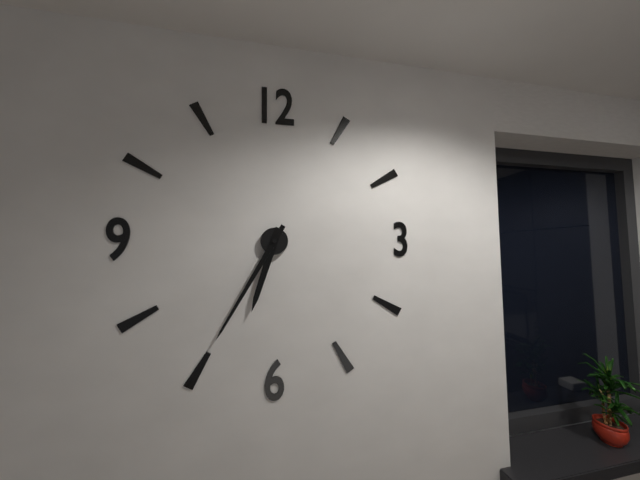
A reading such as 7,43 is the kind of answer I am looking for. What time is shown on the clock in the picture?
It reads 6,35
